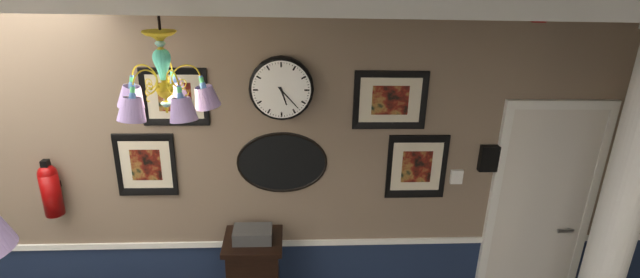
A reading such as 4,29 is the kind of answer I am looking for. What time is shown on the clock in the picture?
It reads 5,23
